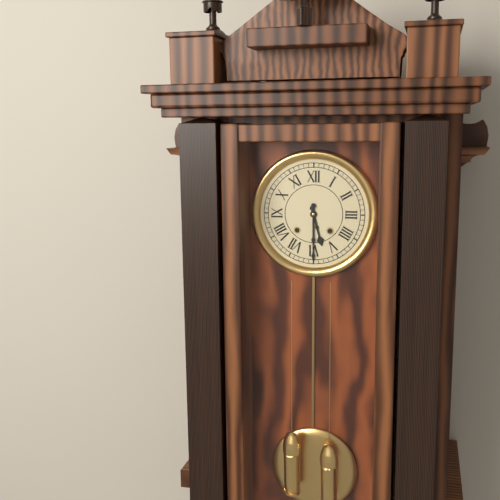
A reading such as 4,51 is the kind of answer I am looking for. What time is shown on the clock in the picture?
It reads 5,30
